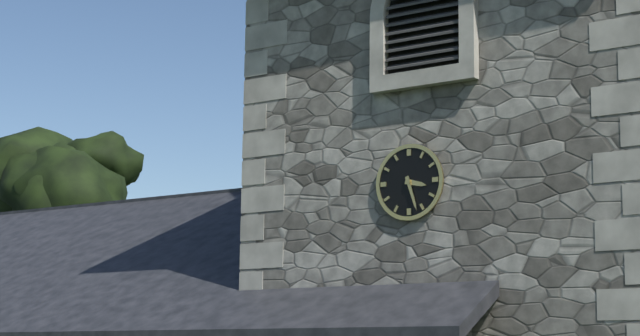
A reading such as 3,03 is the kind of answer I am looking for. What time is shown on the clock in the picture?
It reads 3,27
